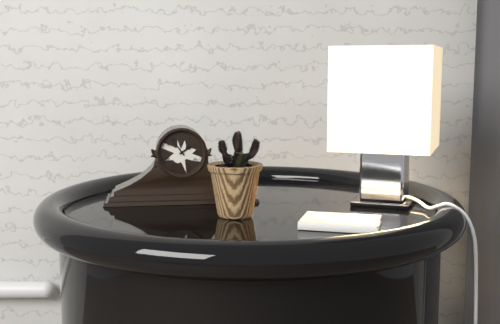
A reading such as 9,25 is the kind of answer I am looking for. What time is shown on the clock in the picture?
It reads 1,54
